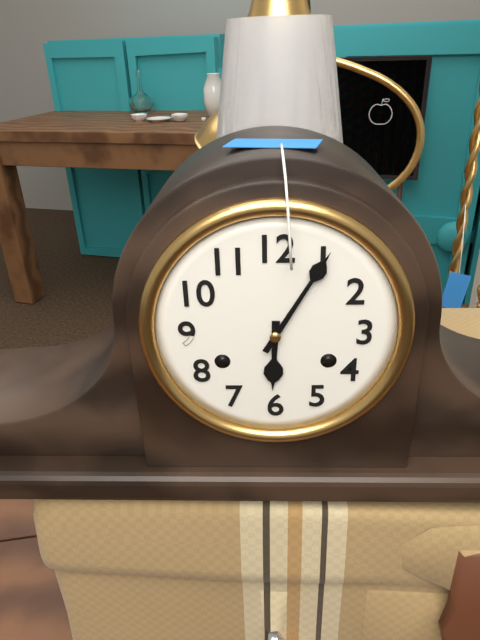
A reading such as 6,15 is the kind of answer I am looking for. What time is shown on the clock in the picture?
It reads 6,05
